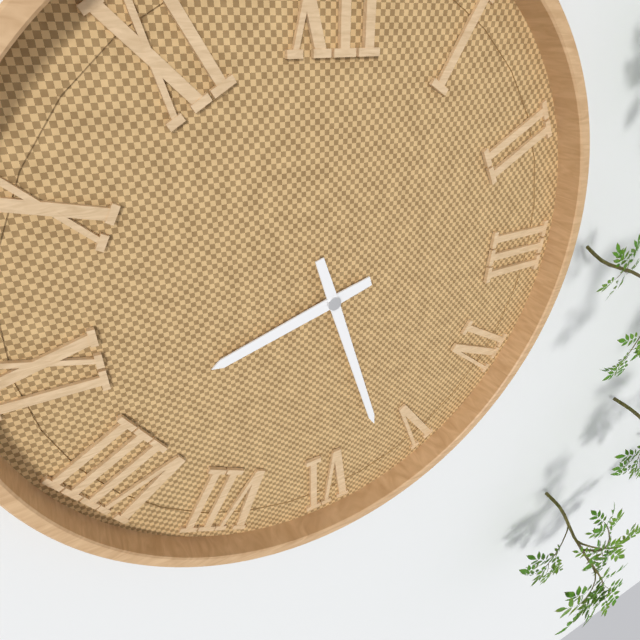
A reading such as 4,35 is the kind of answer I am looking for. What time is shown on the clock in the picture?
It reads 8,27
